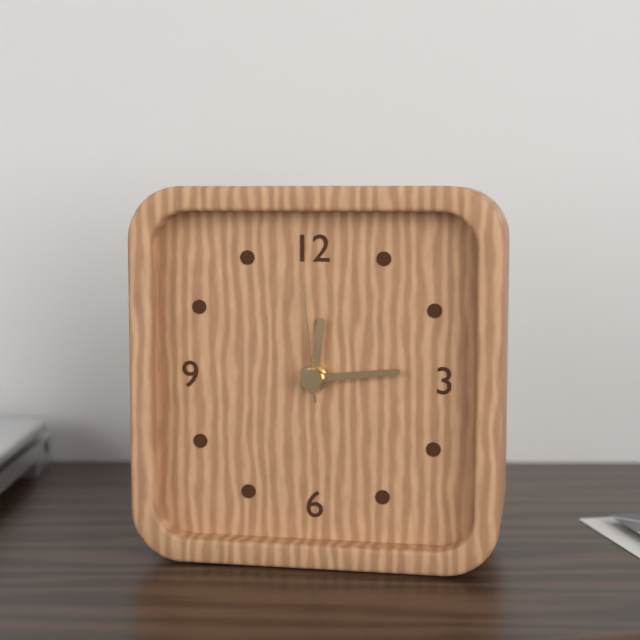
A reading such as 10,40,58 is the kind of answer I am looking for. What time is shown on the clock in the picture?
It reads 12,14,59
